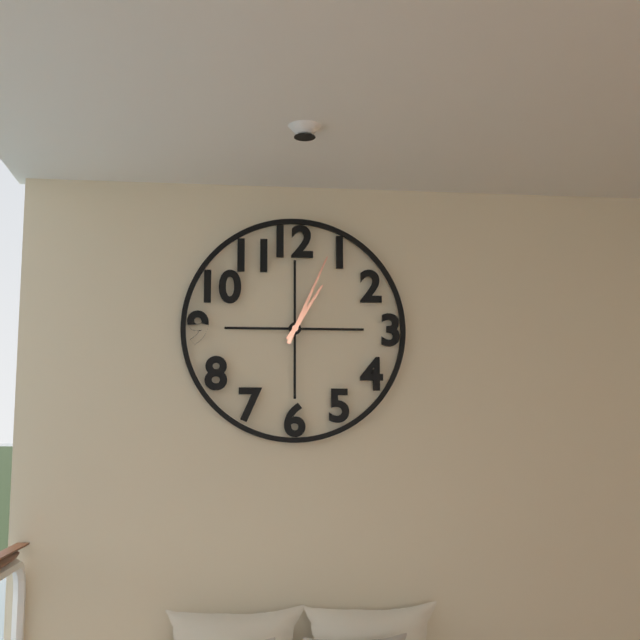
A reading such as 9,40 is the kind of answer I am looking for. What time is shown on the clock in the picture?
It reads 1,04
